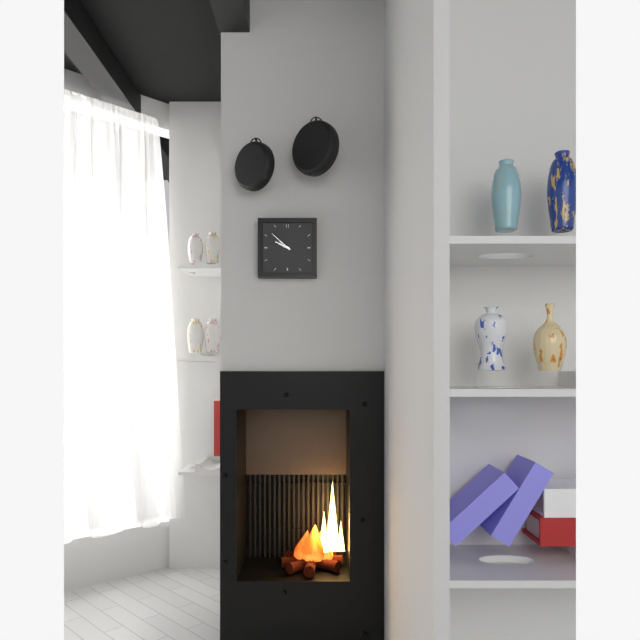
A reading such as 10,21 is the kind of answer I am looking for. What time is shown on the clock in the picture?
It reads 9,52
